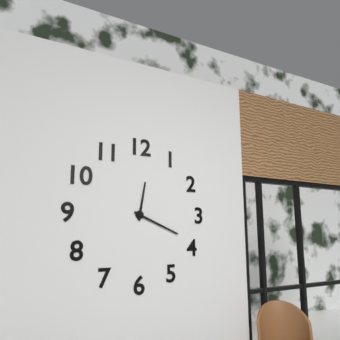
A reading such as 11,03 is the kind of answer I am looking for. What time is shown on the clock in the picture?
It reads 12,19
